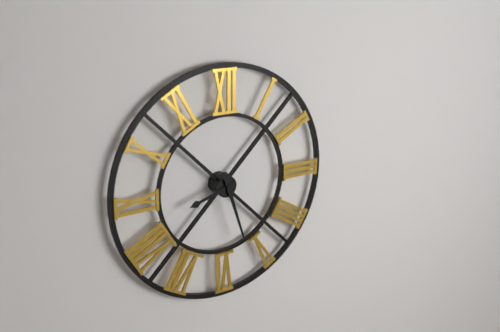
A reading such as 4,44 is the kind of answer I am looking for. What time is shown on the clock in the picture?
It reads 8,27
